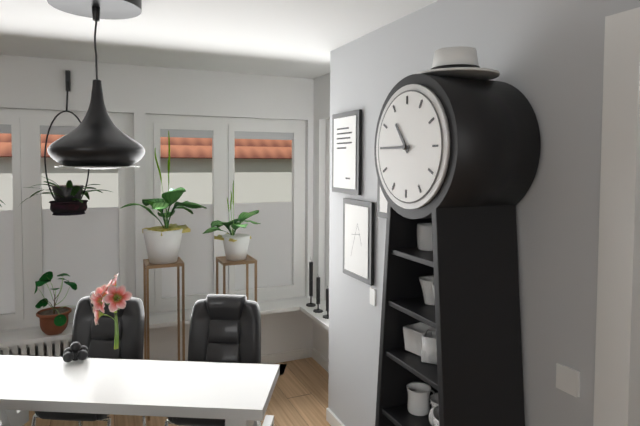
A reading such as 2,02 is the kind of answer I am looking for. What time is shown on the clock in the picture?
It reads 10,45
